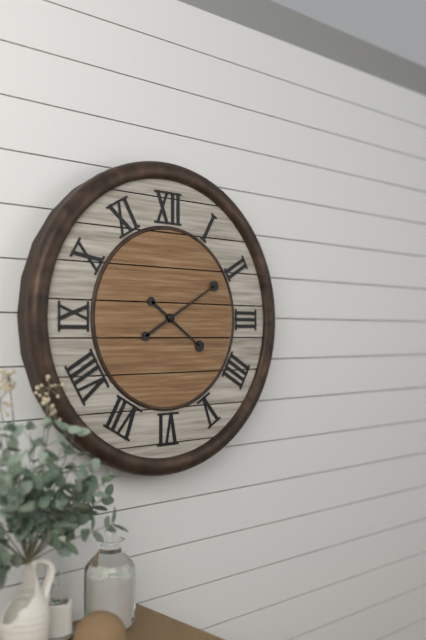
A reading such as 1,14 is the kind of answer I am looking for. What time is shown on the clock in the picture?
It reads 4,10
